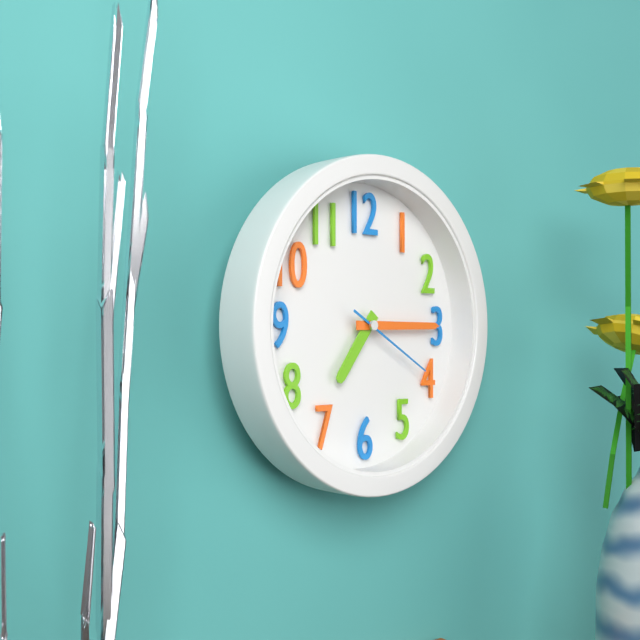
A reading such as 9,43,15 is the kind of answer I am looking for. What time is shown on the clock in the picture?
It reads 7,15,20
